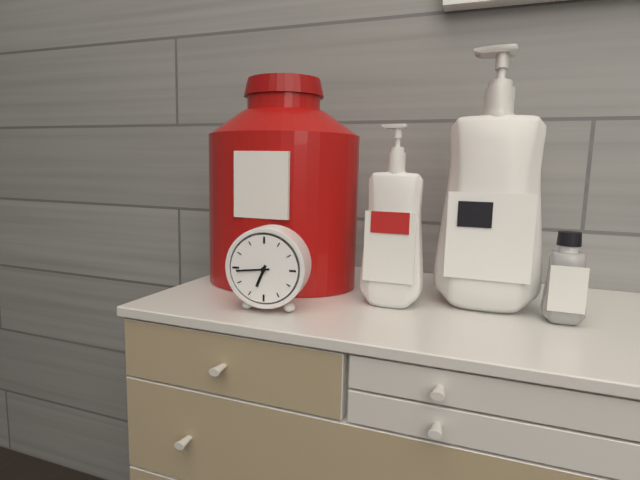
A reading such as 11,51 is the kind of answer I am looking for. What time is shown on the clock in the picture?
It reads 6,44
